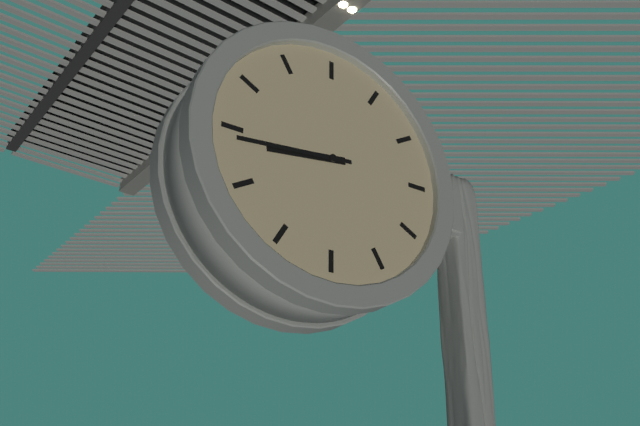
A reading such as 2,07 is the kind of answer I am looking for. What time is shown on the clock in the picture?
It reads 8,44
